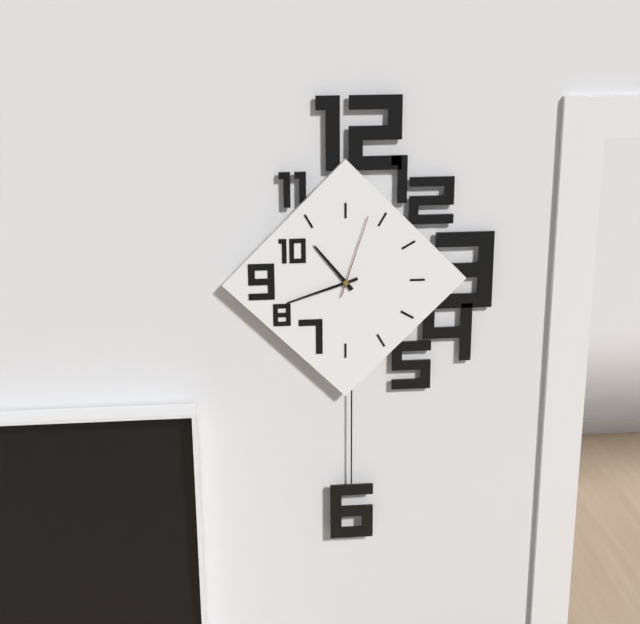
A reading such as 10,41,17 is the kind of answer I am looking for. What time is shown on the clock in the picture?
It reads 10,42,03
